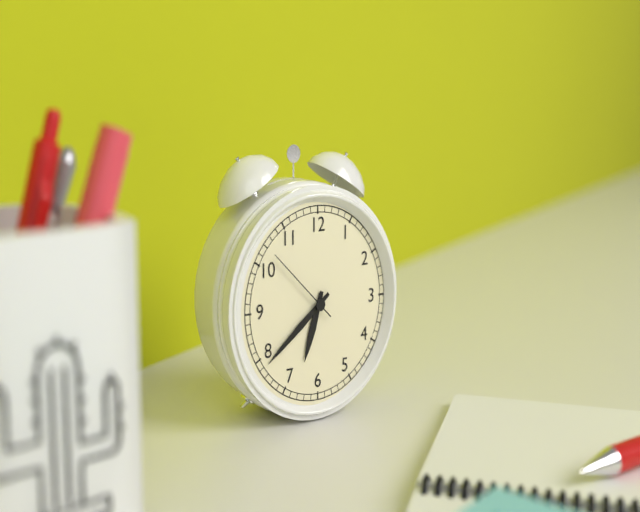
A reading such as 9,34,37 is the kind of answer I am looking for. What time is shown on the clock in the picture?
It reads 6,39,52
